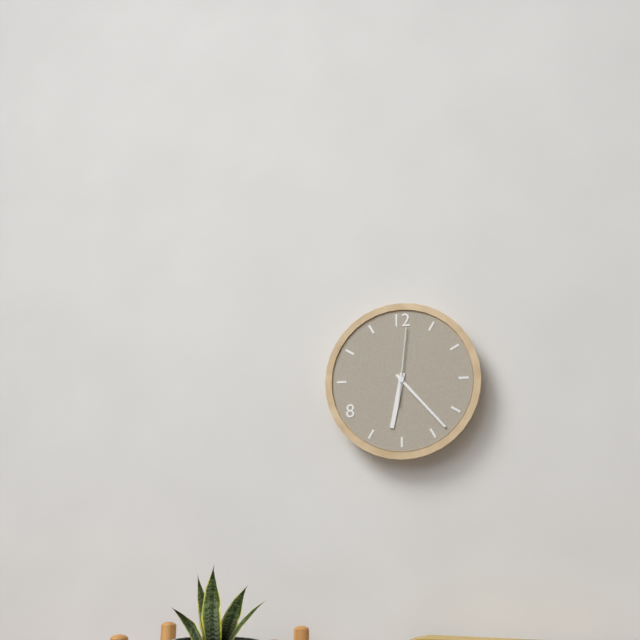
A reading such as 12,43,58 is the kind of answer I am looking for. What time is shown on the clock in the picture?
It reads 6,23,01
